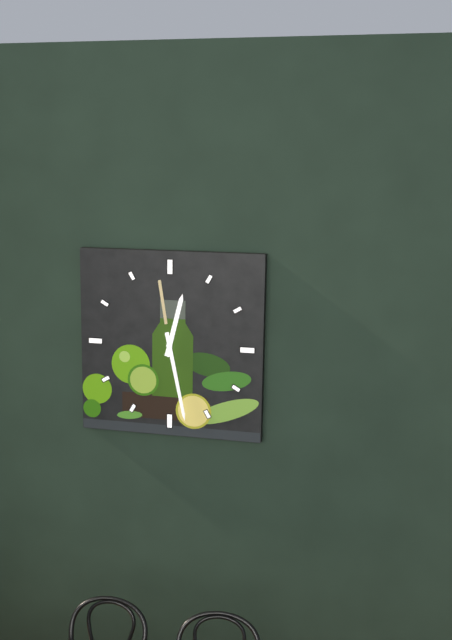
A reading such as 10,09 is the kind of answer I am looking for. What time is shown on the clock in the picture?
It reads 12,28
